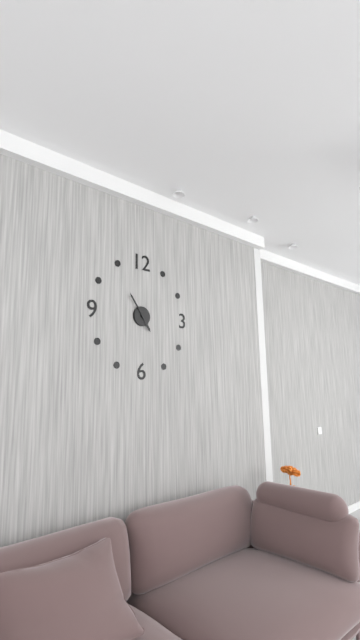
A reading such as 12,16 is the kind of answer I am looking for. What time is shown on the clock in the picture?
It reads 4,54
